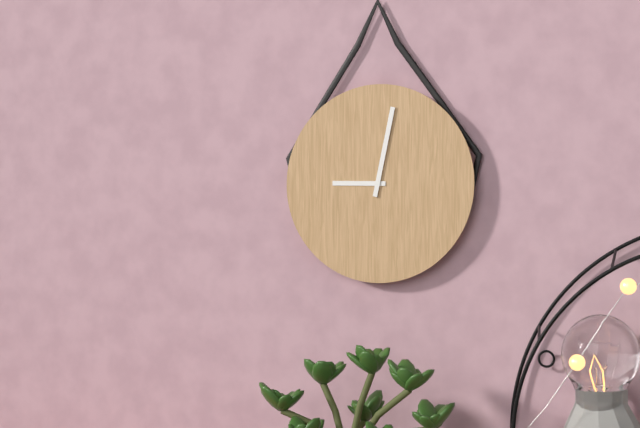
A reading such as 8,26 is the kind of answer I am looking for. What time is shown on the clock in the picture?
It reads 9,02
